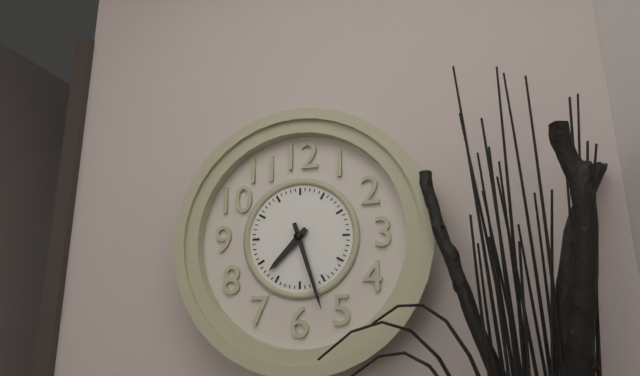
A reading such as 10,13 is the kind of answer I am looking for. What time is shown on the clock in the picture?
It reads 7,27
